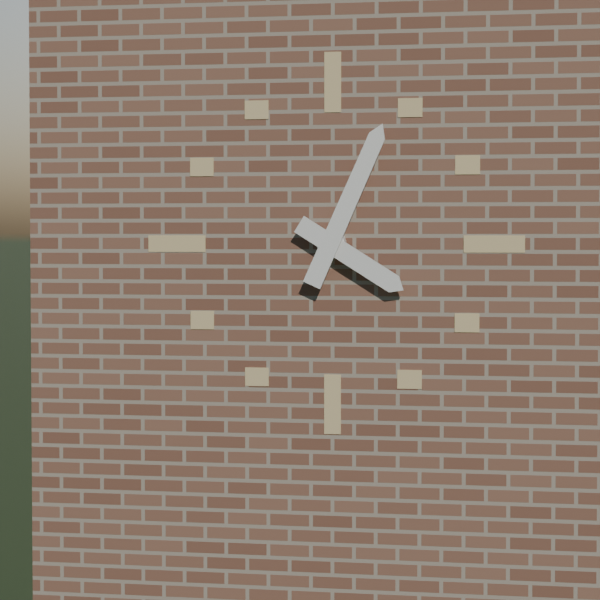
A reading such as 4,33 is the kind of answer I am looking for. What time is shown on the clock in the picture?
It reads 4,04
